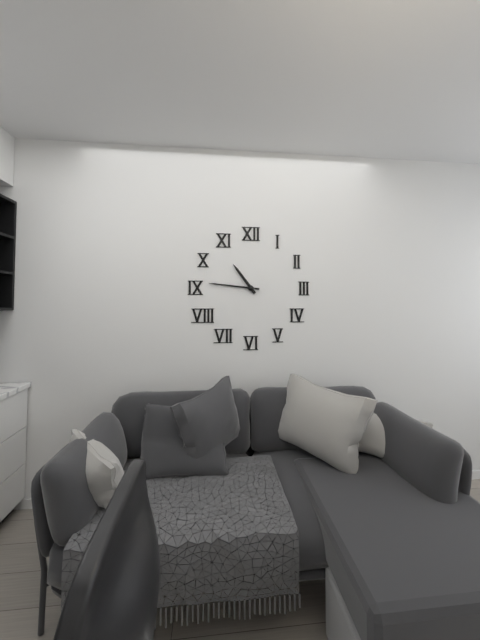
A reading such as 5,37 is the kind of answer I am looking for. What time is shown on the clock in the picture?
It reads 10,46
